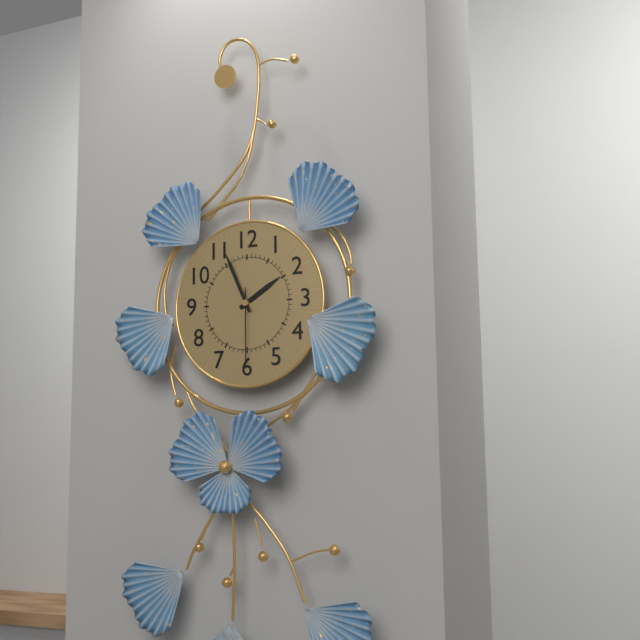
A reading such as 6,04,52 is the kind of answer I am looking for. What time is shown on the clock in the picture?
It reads 1,56,30
